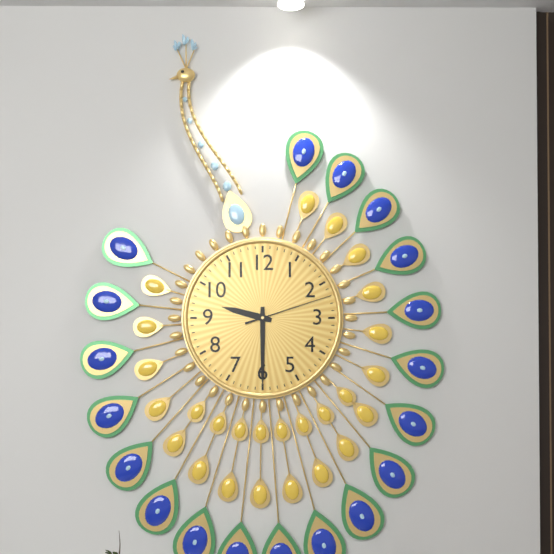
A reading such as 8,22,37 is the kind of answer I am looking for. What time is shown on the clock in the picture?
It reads 9,30,12
